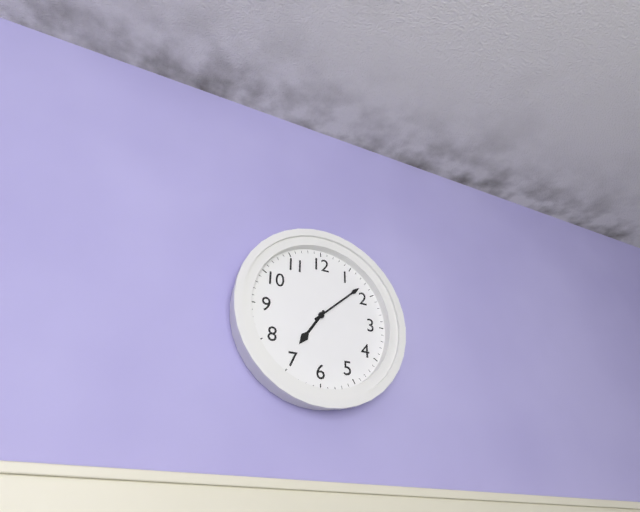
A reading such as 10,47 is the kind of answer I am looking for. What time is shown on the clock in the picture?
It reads 7,08
